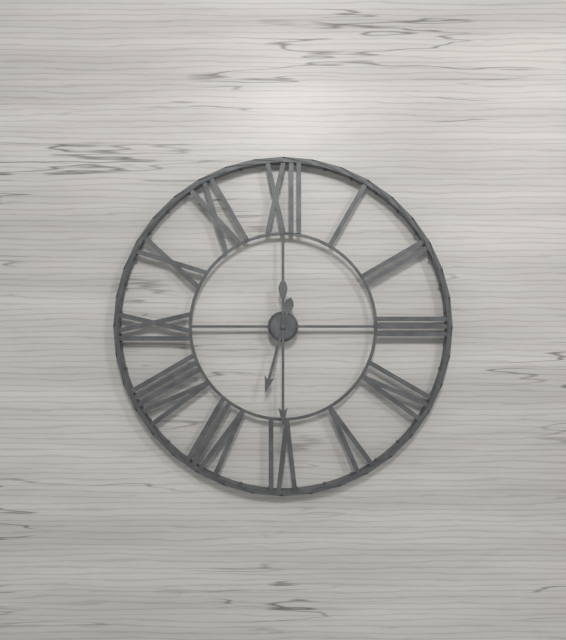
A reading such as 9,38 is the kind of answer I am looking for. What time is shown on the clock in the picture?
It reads 6,30
